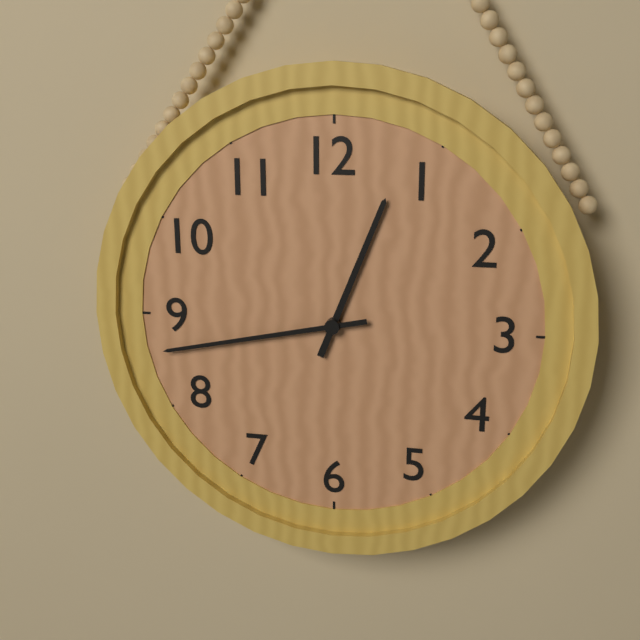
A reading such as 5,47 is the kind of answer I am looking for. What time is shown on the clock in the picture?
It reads 12,43
